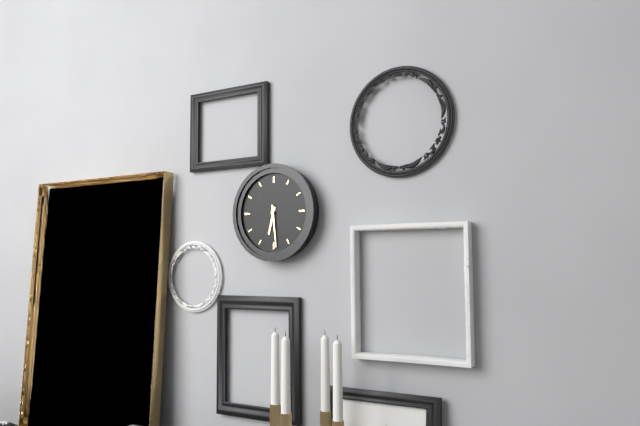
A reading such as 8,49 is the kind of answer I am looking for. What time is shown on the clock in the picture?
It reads 6,29
